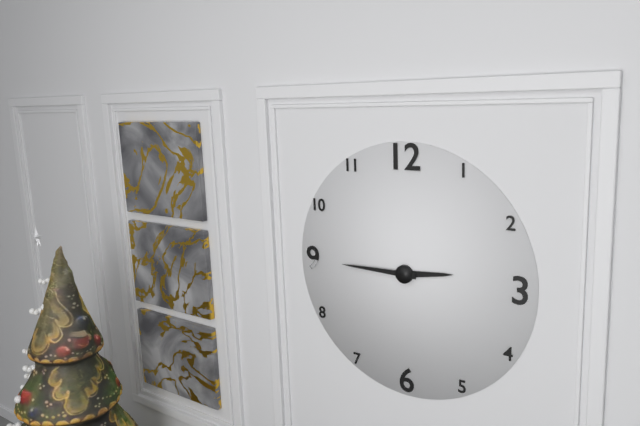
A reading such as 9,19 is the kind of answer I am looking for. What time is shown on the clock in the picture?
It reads 2,45
